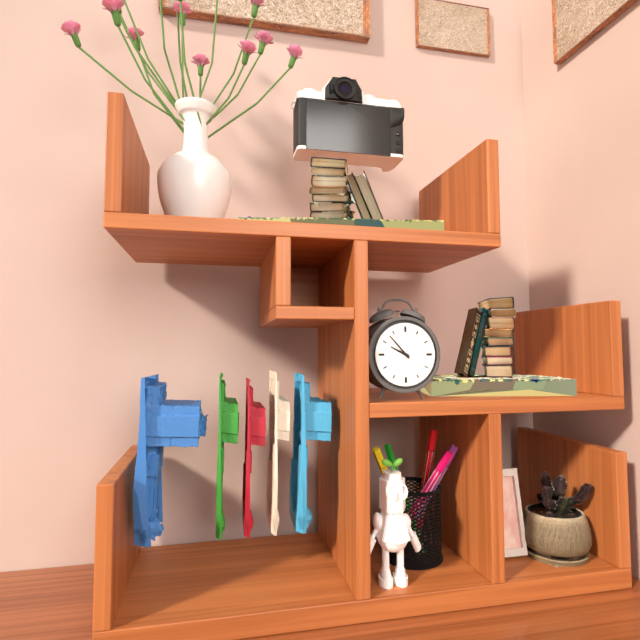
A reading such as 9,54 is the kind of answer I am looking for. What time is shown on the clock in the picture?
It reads 9,53
